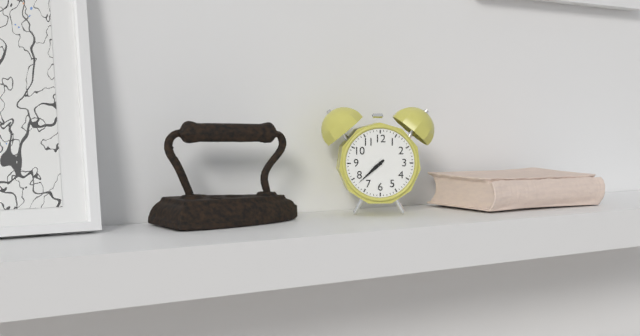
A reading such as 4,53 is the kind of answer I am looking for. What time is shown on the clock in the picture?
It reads 7,38
